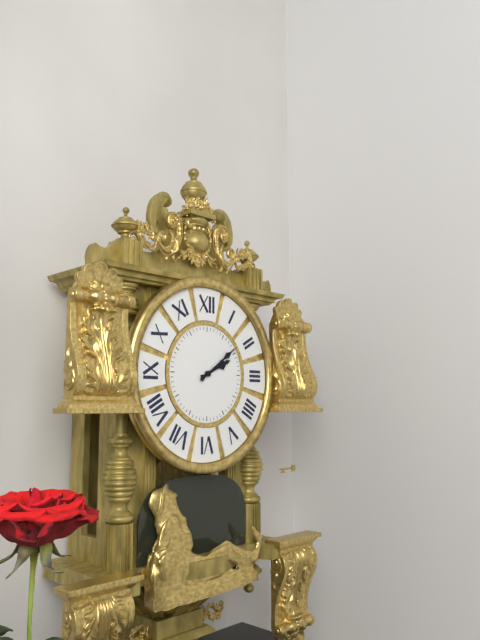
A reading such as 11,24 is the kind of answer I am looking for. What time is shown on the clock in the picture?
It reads 2,09
